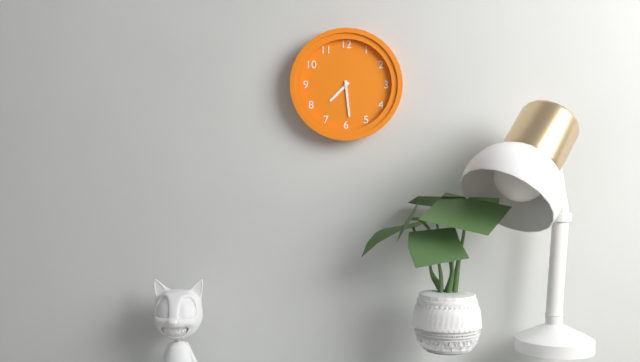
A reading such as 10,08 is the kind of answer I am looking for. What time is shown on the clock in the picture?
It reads 7,29
